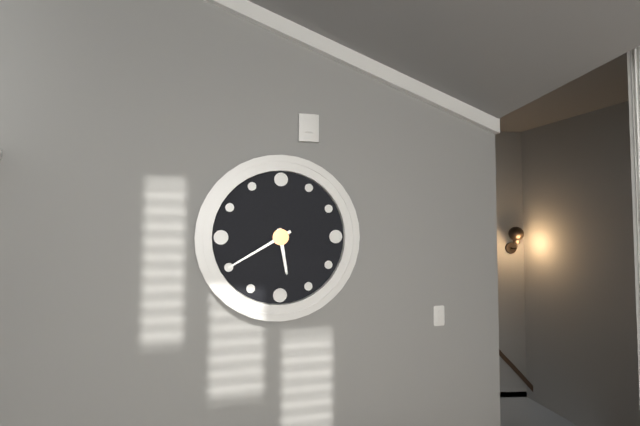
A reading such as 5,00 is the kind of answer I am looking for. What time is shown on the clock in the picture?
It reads 5,40
